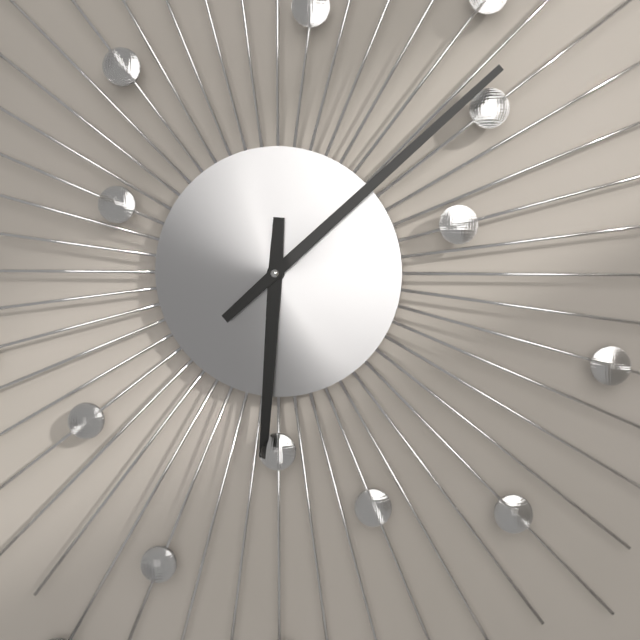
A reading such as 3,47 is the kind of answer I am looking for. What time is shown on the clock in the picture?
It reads 6,08
